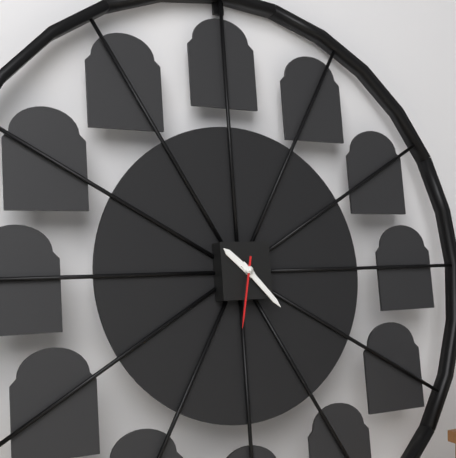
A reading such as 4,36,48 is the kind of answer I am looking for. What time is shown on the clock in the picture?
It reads 10,23,32
